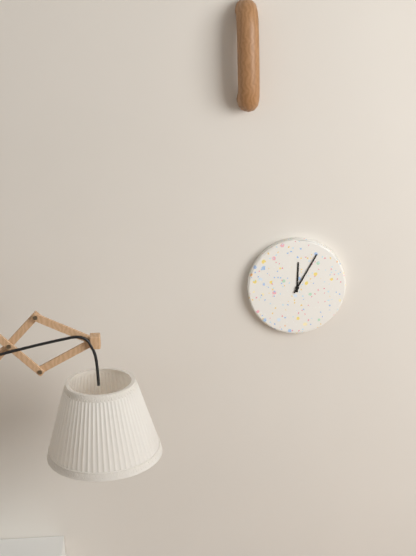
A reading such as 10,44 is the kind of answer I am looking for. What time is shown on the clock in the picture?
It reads 12,05
